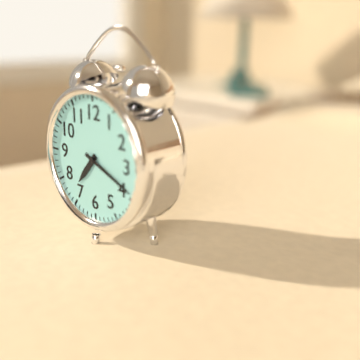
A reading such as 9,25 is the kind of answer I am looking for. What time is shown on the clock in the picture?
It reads 7,19
